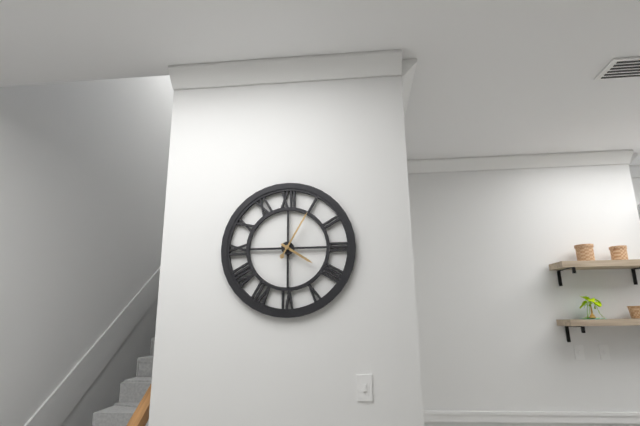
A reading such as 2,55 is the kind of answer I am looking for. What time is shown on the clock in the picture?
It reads 4,05
